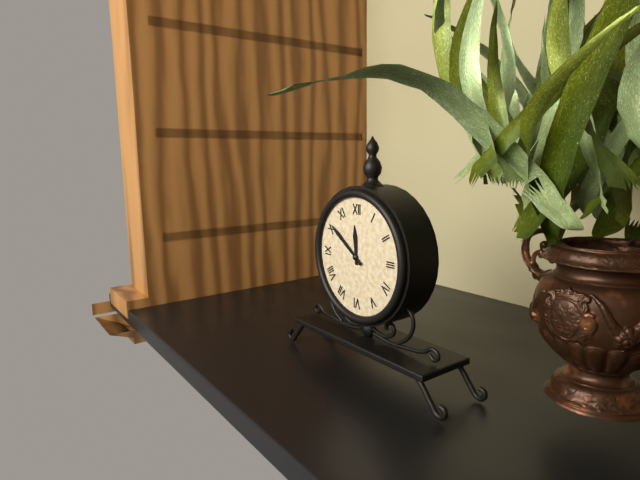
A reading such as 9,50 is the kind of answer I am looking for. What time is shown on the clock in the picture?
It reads 11,51
